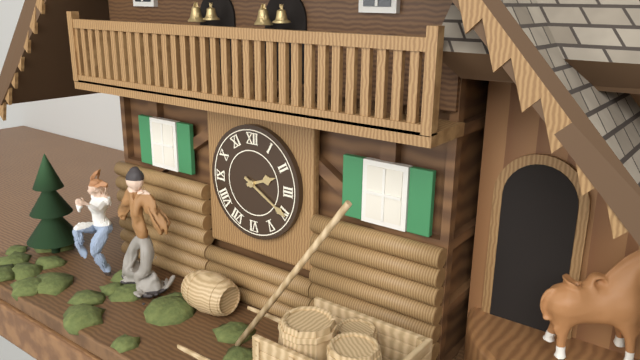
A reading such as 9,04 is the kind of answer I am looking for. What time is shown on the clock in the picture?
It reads 2,20
